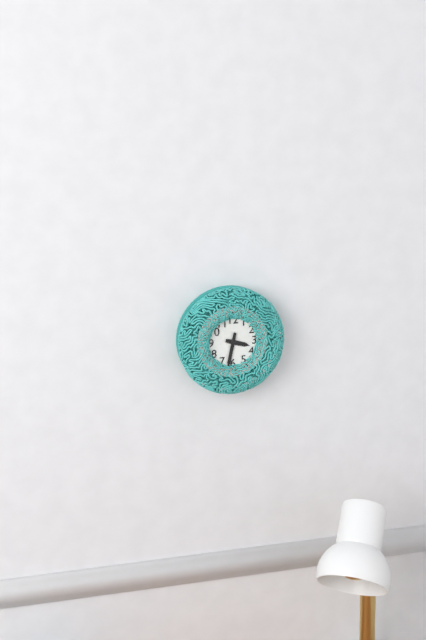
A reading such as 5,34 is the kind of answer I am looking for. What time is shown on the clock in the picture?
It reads 3,32
